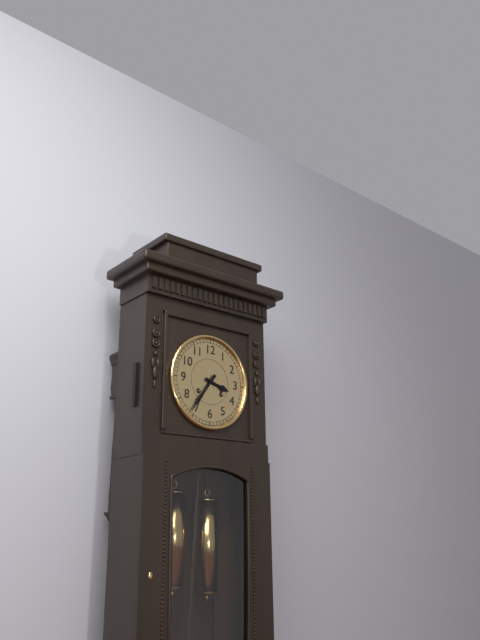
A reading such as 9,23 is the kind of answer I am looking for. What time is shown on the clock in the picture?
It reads 3,36
